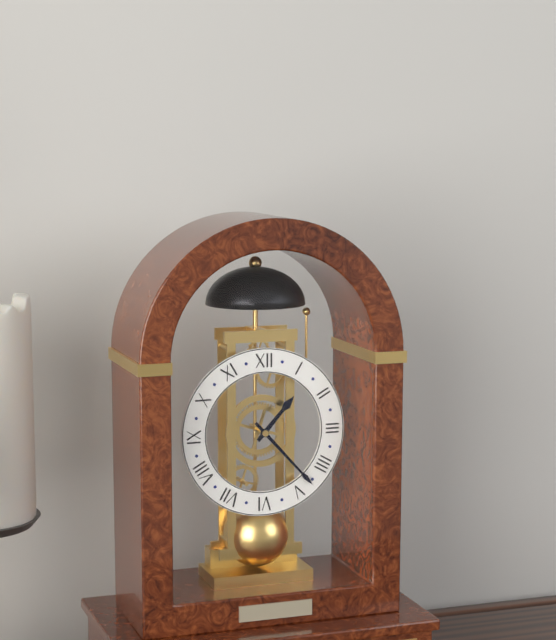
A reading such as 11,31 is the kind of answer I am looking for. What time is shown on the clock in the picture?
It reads 1,23
